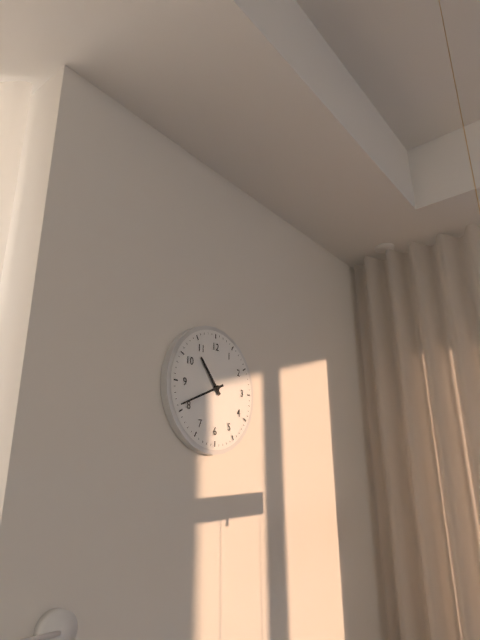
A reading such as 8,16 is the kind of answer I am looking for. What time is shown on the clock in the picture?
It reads 10,41
